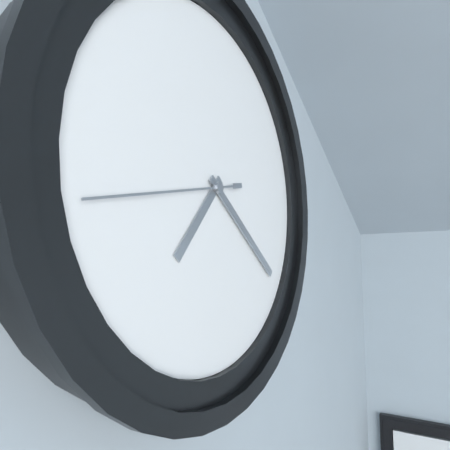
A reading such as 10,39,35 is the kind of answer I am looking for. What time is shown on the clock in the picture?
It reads 7,21,43
